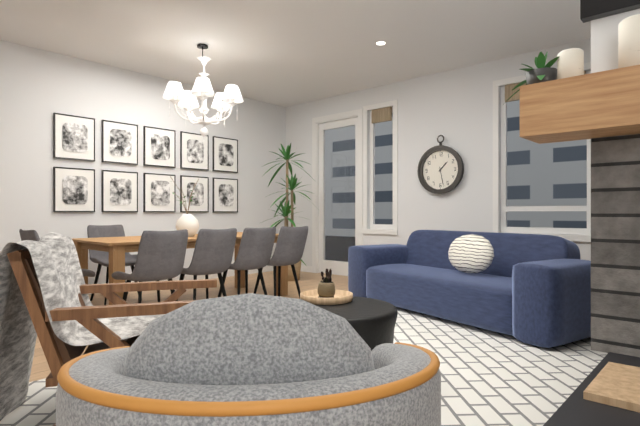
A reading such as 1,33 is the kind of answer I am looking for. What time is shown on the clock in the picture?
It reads 1,28
